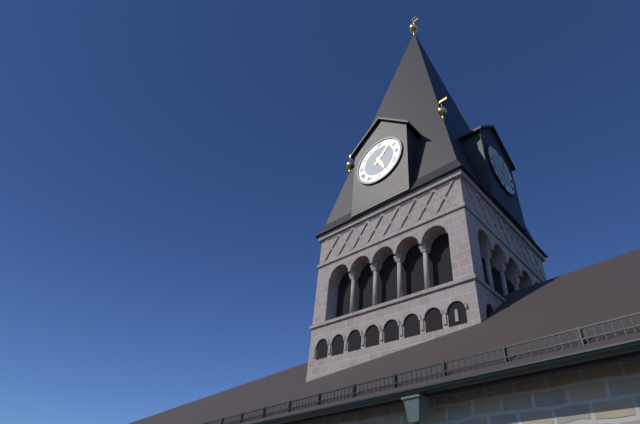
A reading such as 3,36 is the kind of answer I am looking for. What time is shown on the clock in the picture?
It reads 5,07
